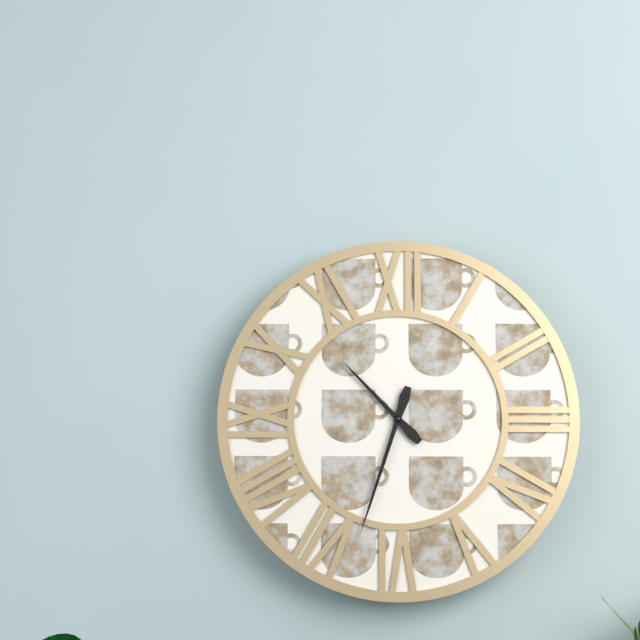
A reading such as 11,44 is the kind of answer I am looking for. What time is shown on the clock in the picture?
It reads 10,33
